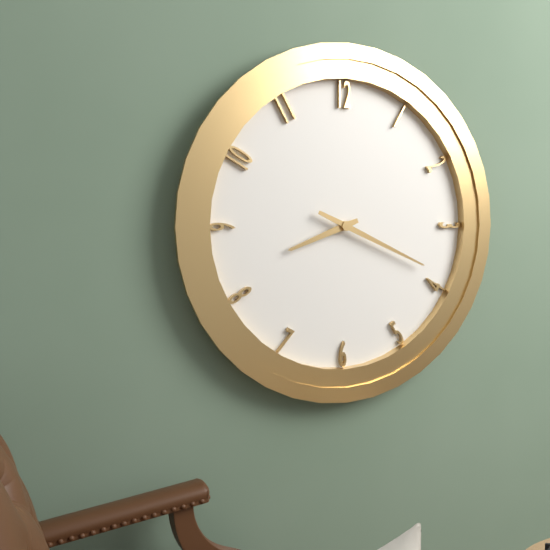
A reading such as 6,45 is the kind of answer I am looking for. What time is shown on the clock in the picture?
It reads 8,19
